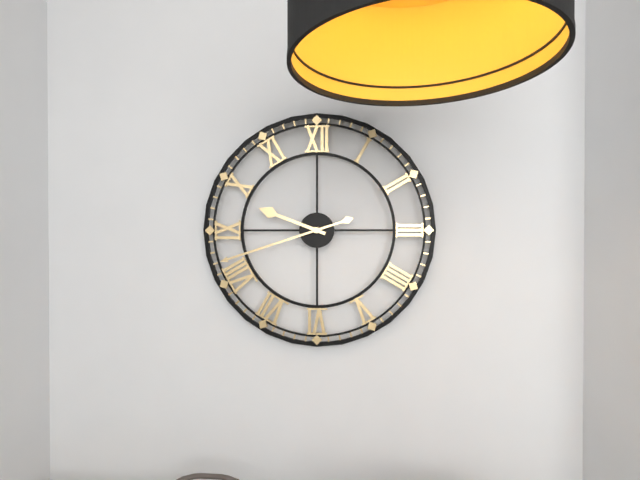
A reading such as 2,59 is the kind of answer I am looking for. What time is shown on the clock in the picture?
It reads 9,42
